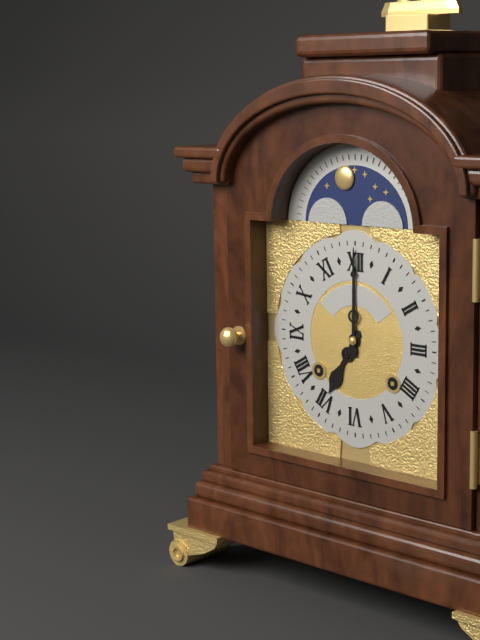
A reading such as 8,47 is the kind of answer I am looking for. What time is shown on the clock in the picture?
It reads 7,00
